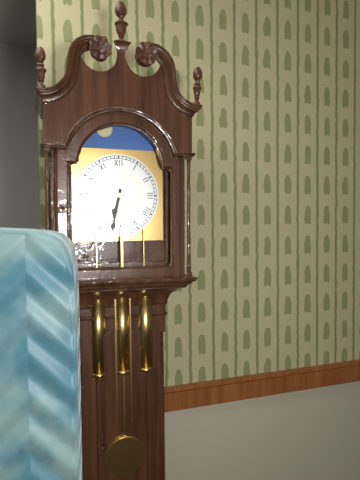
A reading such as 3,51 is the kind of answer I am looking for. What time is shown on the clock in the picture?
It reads 6,32
